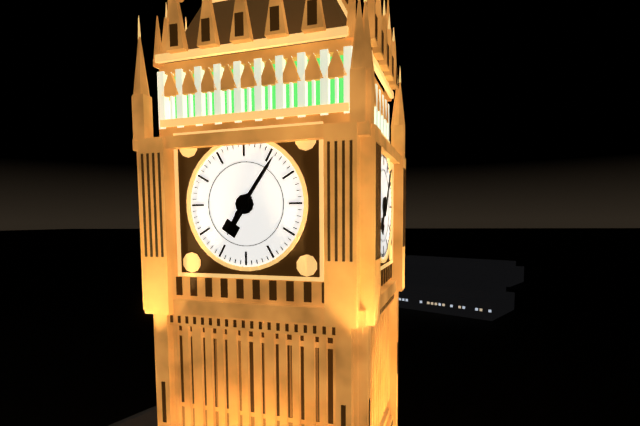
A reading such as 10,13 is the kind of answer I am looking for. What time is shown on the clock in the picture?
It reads 7,06
